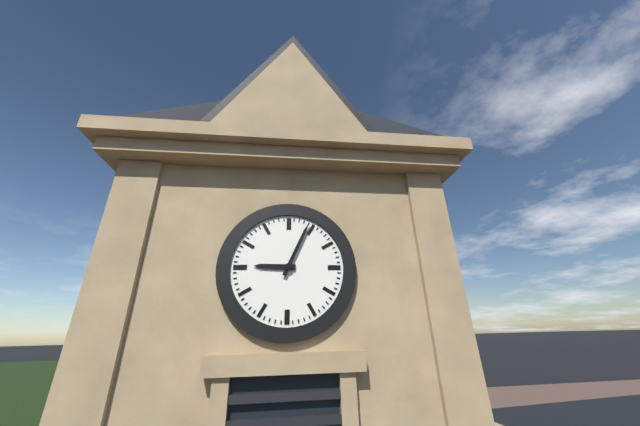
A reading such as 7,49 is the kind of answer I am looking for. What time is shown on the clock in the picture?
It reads 9,04
